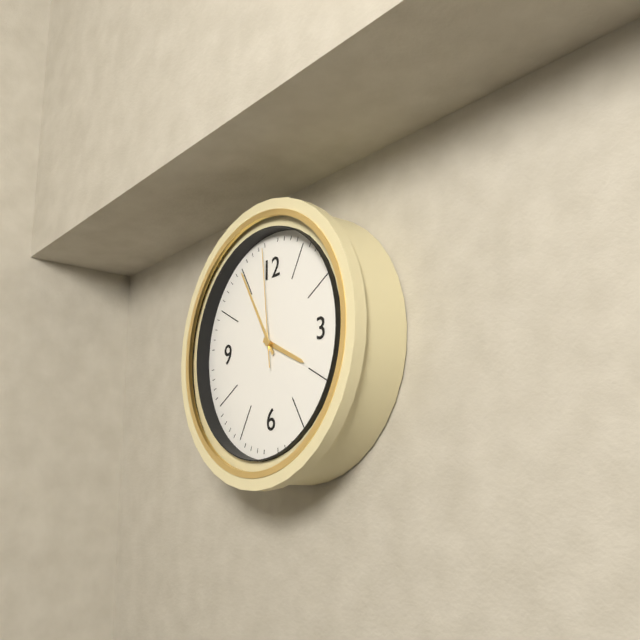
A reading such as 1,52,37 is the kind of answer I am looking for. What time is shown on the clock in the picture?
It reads 3,55,59
